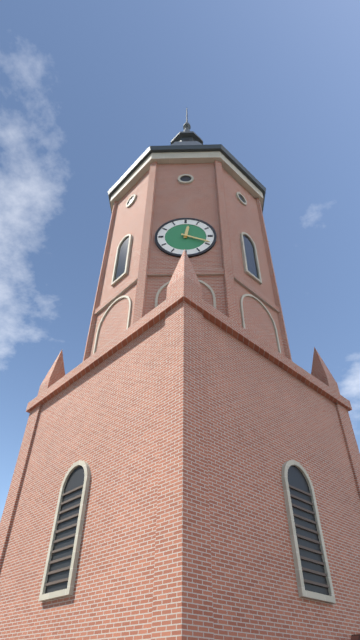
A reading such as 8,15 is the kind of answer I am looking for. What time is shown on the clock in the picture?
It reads 12,19
